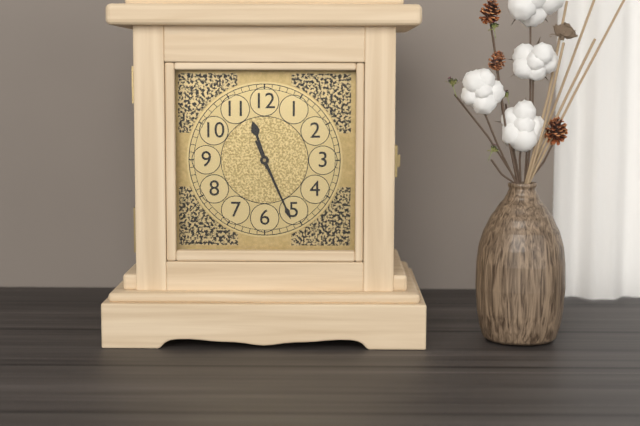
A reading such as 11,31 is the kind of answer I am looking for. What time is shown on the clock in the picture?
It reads 11,26
